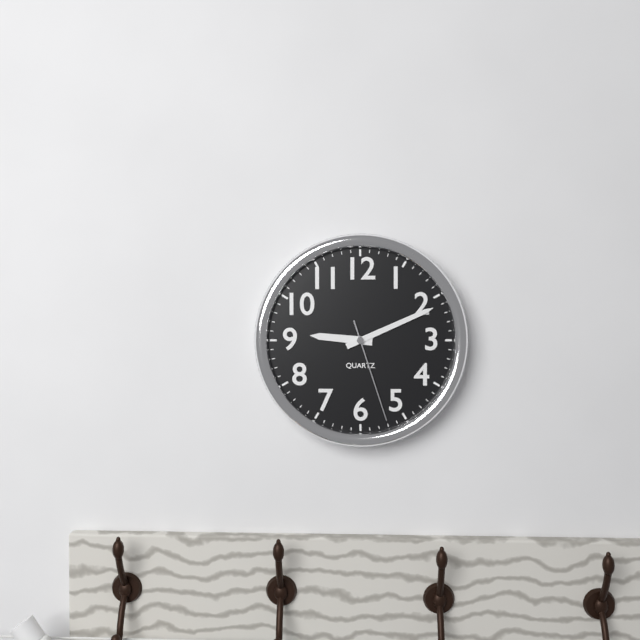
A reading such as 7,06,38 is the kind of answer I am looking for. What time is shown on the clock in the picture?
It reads 9,11,27
